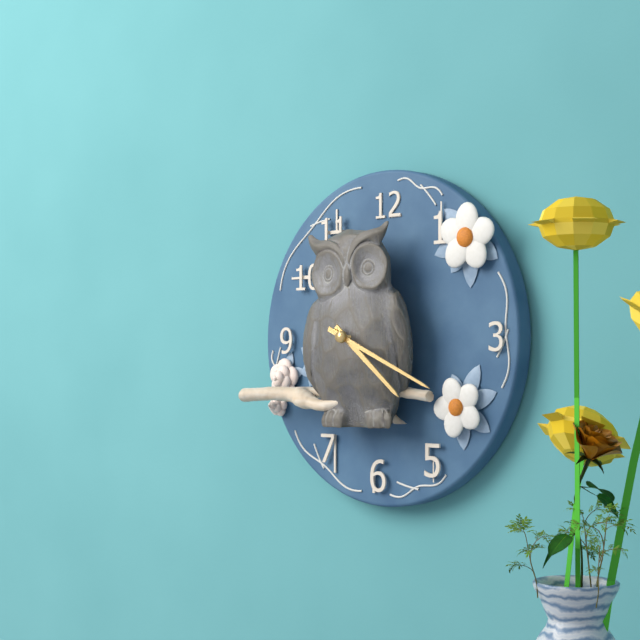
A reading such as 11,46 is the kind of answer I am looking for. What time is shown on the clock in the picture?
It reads 4,19
